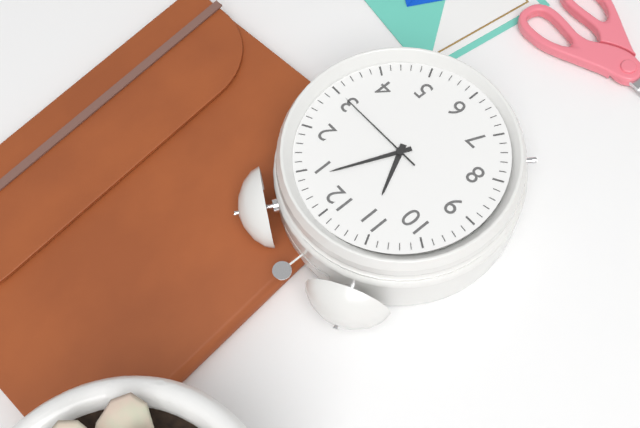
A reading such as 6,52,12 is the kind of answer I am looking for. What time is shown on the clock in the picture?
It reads 11,04,15
